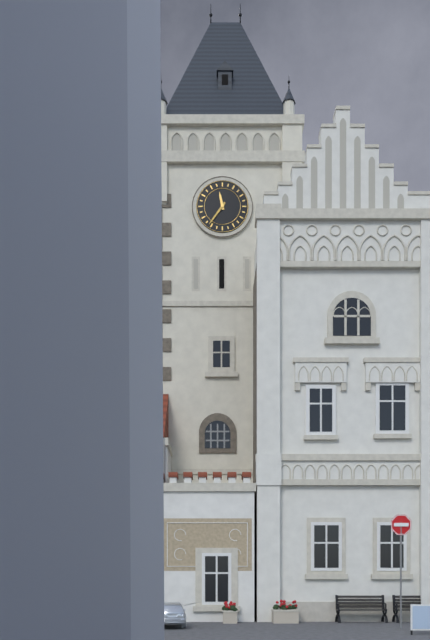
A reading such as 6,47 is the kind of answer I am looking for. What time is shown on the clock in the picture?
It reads 11,36
